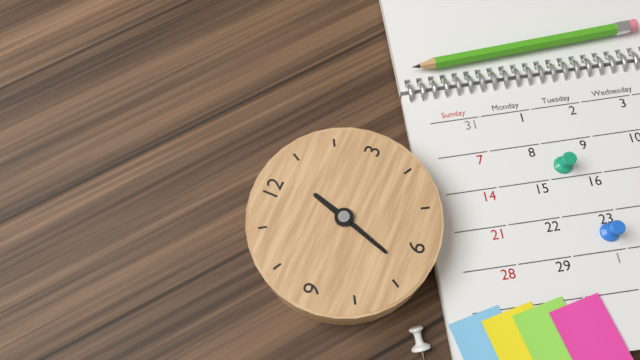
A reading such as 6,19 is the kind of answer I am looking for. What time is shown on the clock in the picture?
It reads 12,33
